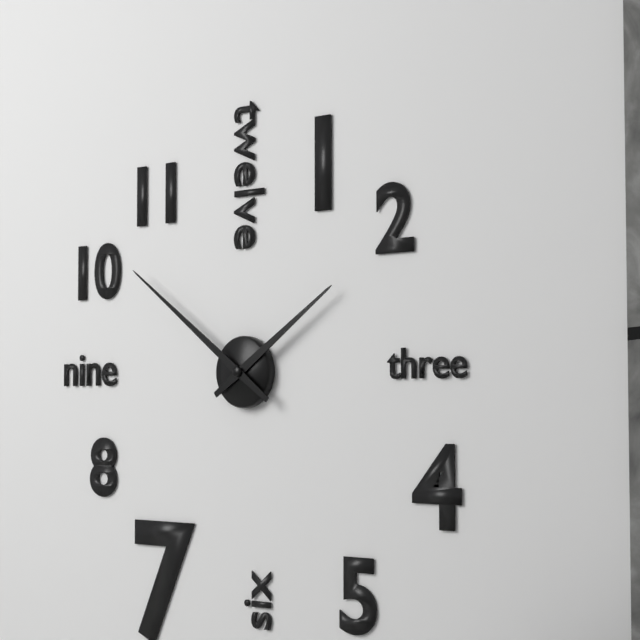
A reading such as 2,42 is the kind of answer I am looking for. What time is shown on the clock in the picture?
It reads 1,51
